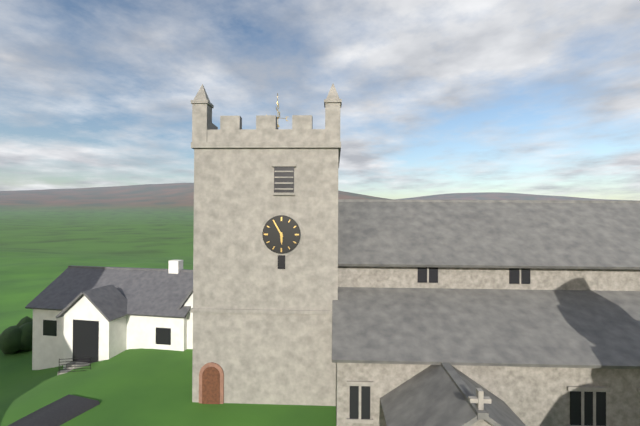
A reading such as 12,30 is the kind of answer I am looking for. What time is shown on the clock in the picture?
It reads 5,55
